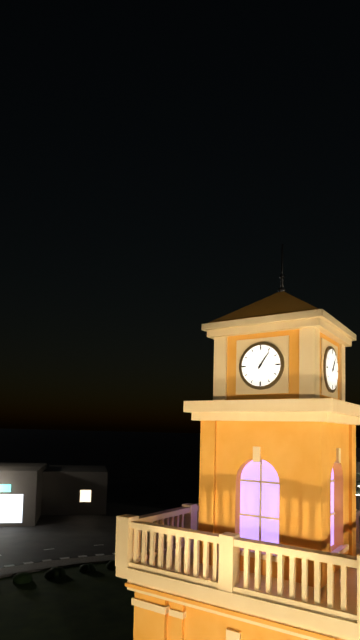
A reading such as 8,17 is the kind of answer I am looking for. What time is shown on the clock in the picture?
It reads 1,06
